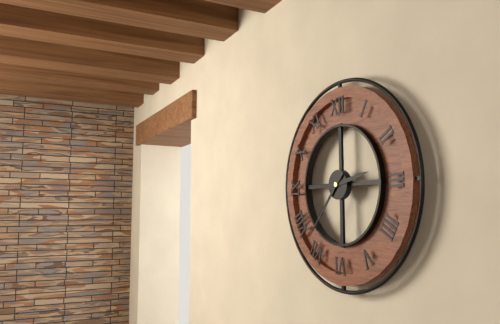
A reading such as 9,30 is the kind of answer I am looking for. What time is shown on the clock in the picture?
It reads 2,37
